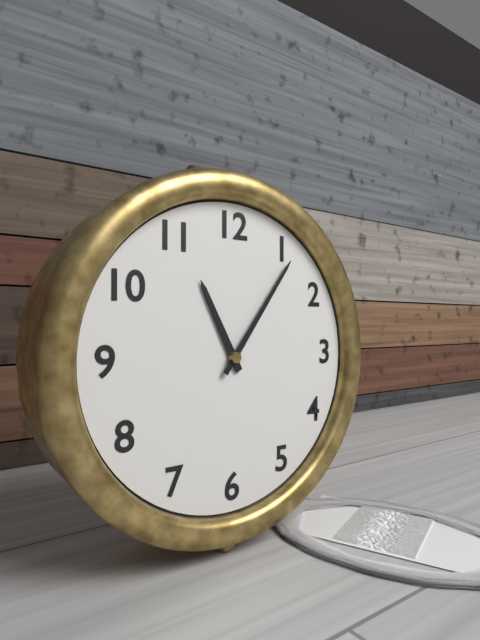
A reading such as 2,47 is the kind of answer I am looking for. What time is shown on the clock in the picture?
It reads 11,06
